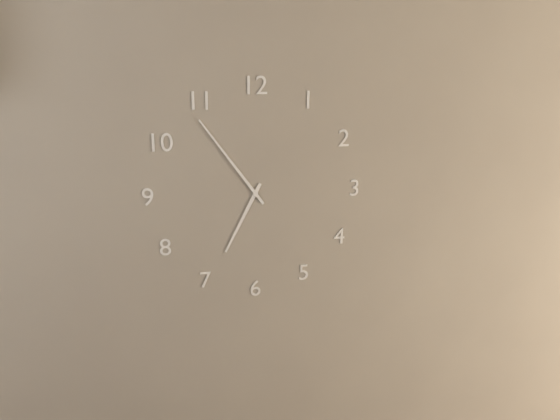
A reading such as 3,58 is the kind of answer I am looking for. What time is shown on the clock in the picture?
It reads 6,54
